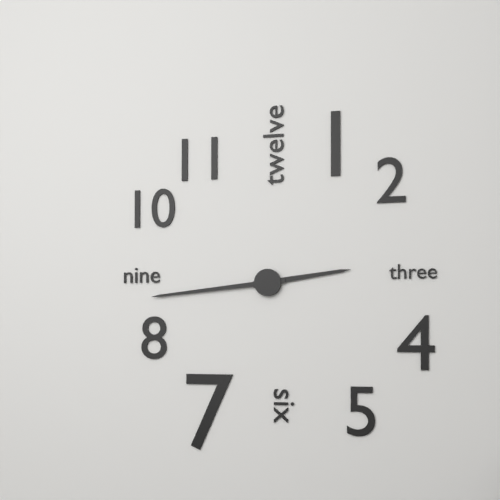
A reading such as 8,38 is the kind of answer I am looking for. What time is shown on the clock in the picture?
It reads 2,44
